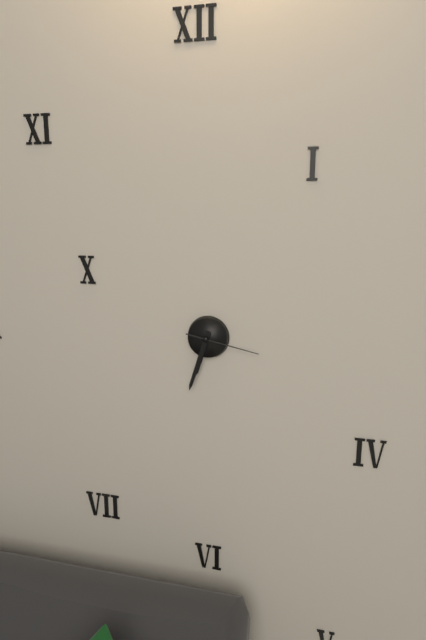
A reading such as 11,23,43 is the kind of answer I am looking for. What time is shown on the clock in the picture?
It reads 6,33,17
